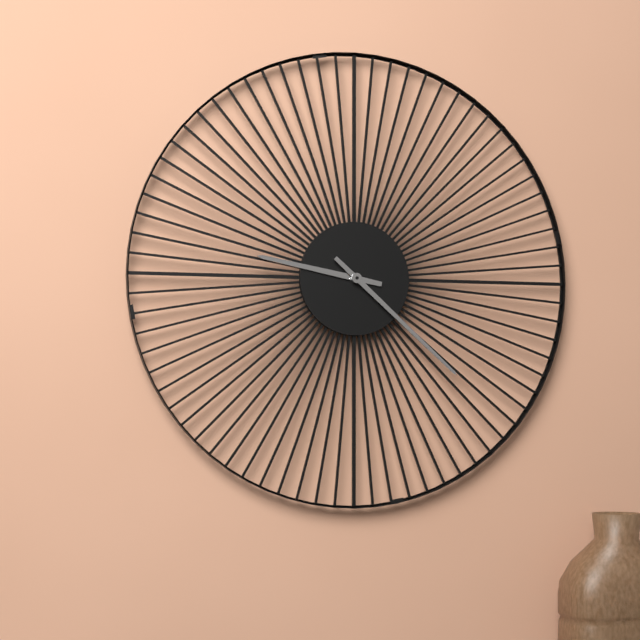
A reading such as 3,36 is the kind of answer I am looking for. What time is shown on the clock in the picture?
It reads 9,22
